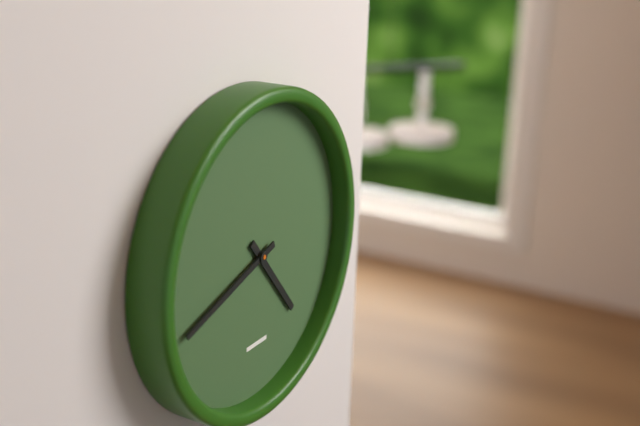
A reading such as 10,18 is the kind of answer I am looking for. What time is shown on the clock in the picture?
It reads 4,42
